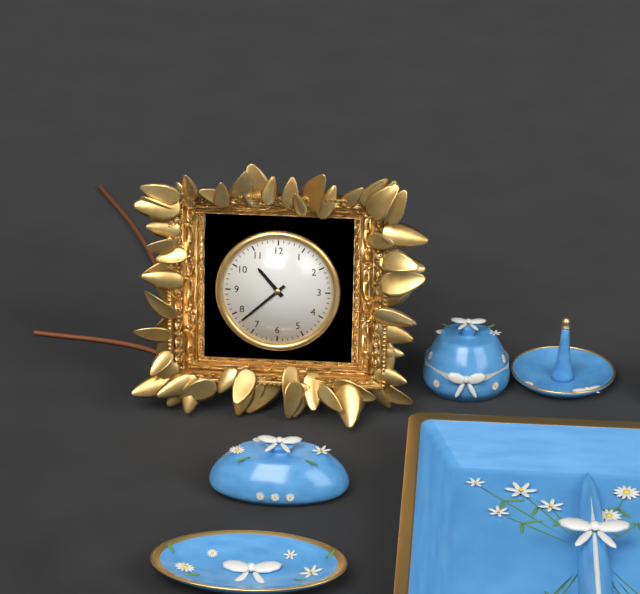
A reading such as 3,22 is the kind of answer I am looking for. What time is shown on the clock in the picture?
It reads 10,38
